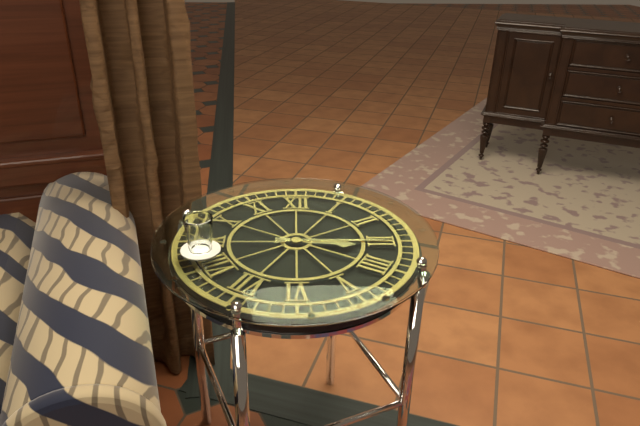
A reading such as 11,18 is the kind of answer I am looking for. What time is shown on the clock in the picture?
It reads 3,15
